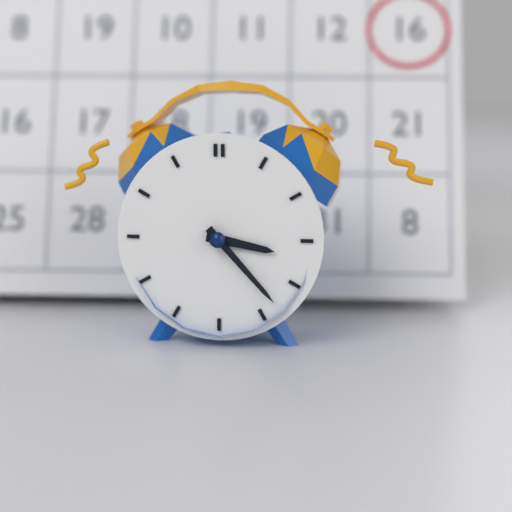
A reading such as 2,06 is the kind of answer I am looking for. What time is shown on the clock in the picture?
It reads 3,23
